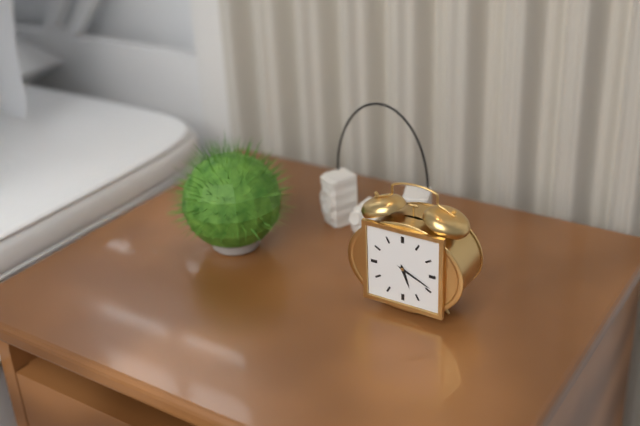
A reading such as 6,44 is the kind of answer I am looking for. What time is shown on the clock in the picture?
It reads 5,19
